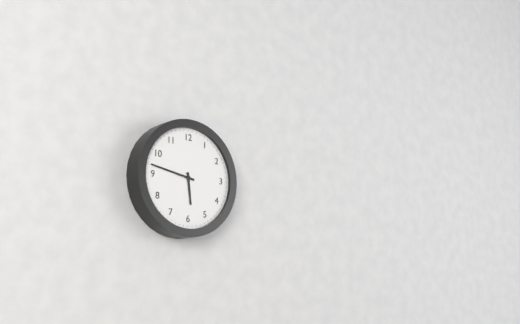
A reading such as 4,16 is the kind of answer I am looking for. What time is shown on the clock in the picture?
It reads 5,47
